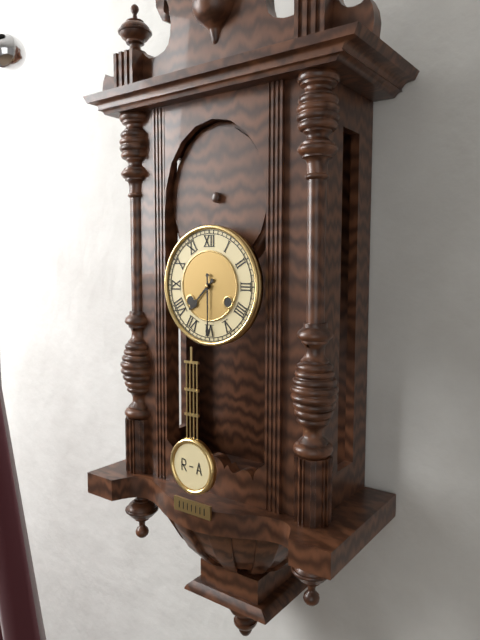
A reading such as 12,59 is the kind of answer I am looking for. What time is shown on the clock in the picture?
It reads 7,30
